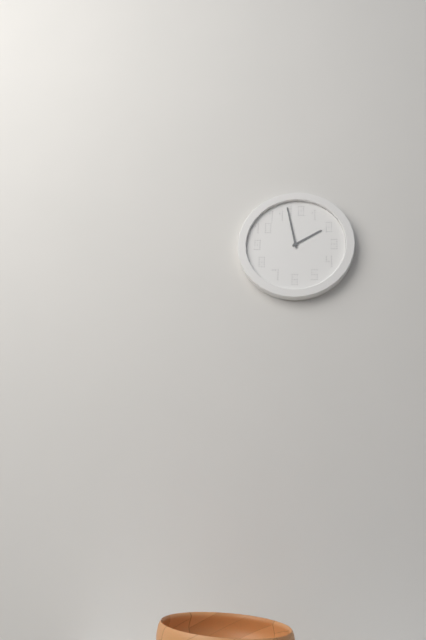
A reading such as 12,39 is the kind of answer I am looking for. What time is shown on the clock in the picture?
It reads 1,58
